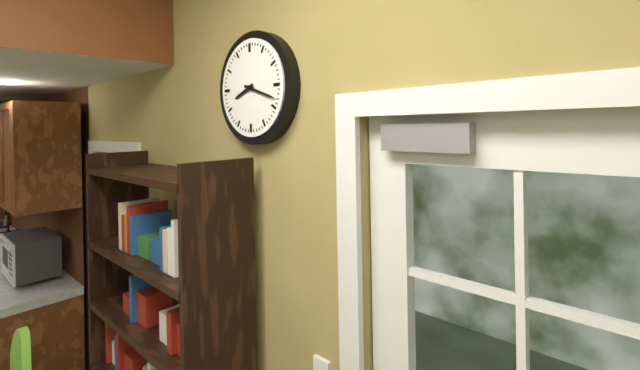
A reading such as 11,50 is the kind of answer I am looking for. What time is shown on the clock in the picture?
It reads 8,18
